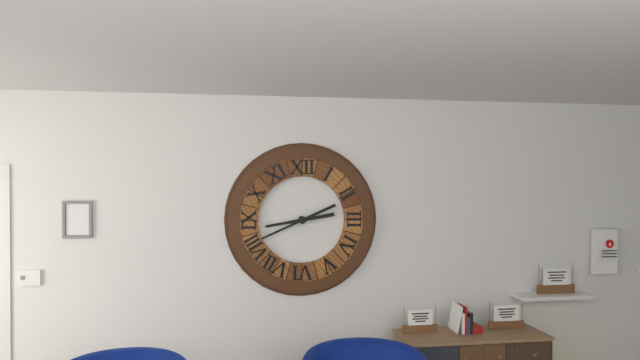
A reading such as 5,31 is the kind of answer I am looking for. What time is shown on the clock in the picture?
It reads 8,41
